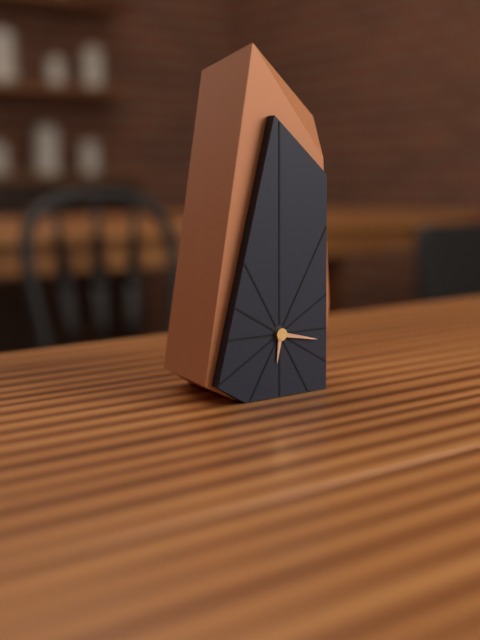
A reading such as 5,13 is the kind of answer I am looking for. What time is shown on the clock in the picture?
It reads 6,17
